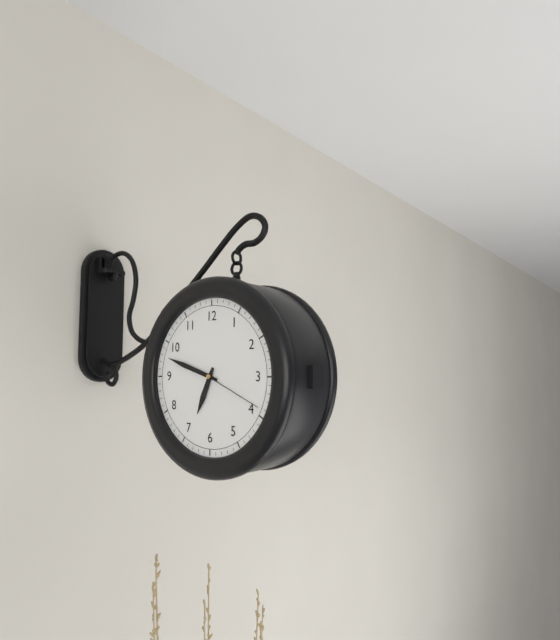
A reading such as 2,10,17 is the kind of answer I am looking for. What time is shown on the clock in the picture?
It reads 6,48,19
